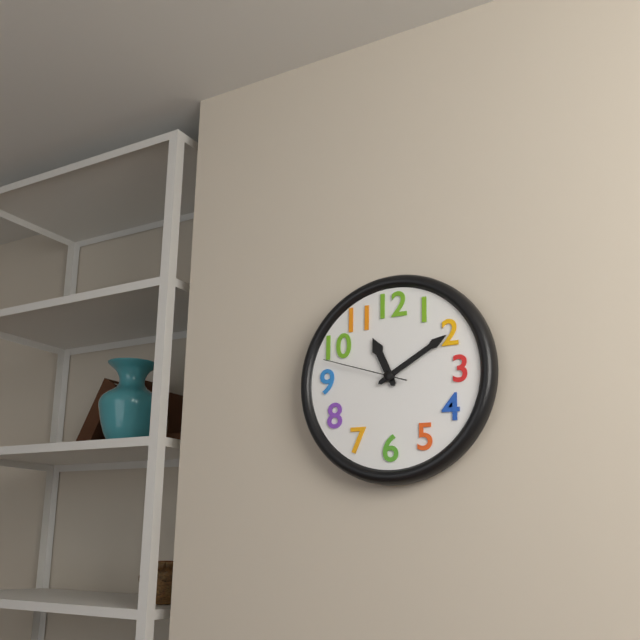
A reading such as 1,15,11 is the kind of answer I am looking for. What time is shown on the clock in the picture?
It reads 11,10,48
